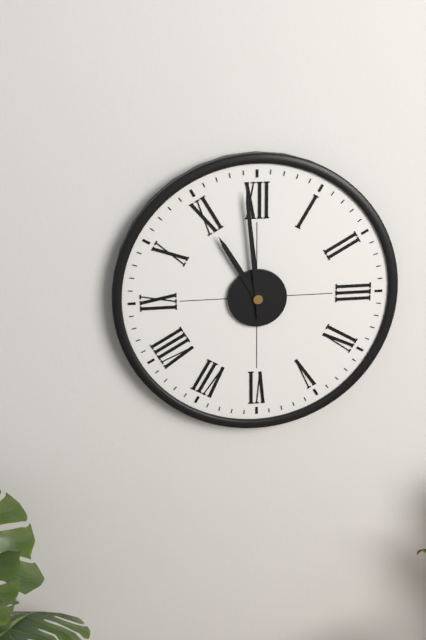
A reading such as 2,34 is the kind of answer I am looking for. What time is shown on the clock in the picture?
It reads 10,59
